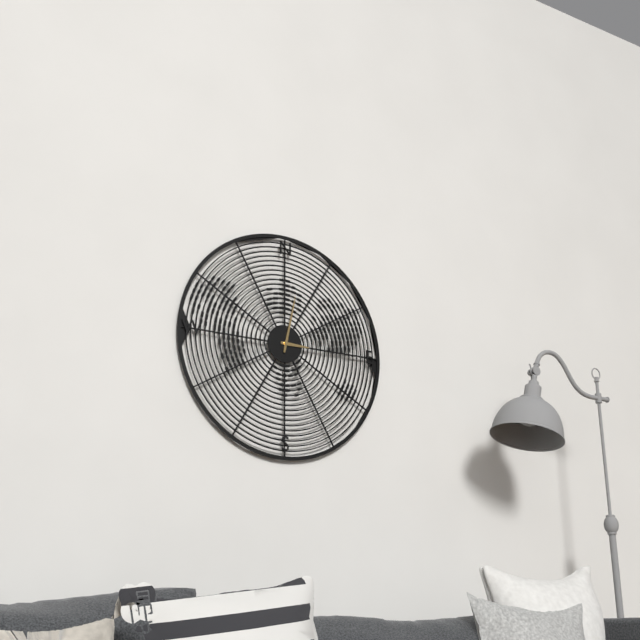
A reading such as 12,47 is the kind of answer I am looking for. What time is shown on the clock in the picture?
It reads 3,02
